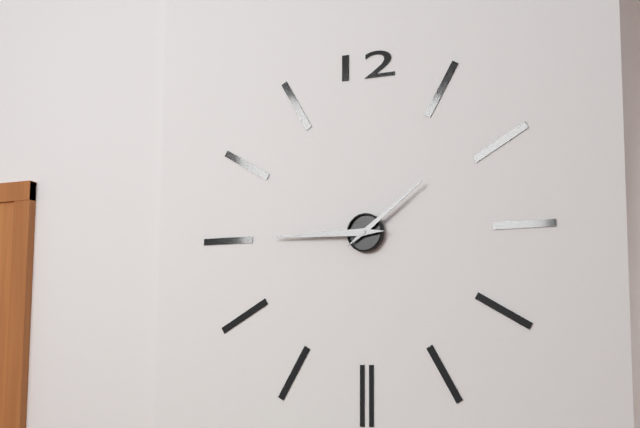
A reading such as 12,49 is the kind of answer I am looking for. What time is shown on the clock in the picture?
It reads 1,45
